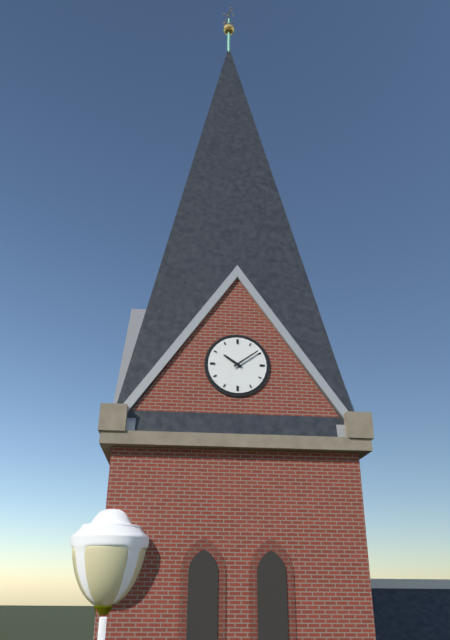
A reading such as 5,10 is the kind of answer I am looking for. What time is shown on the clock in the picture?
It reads 10,09
